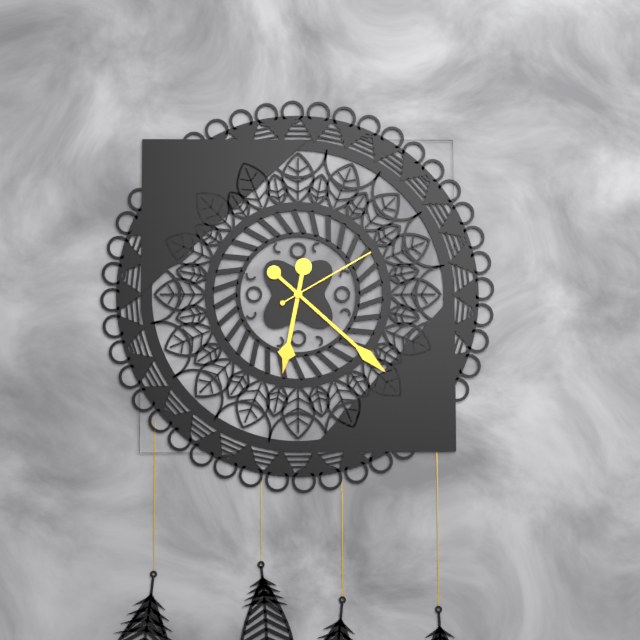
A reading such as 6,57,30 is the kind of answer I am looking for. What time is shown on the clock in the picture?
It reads 6,22,10
